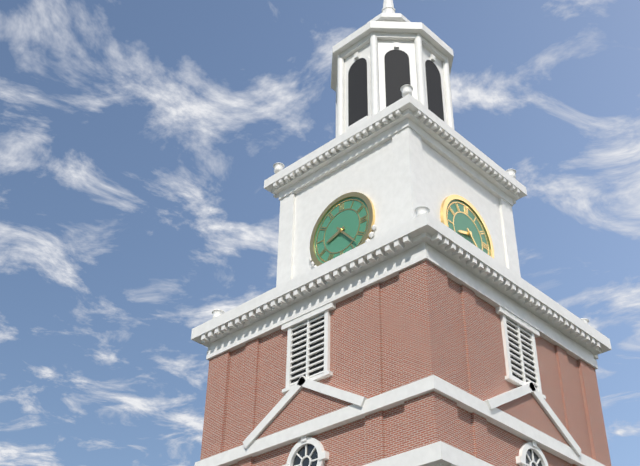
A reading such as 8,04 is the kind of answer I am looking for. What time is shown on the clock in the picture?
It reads 8,23
